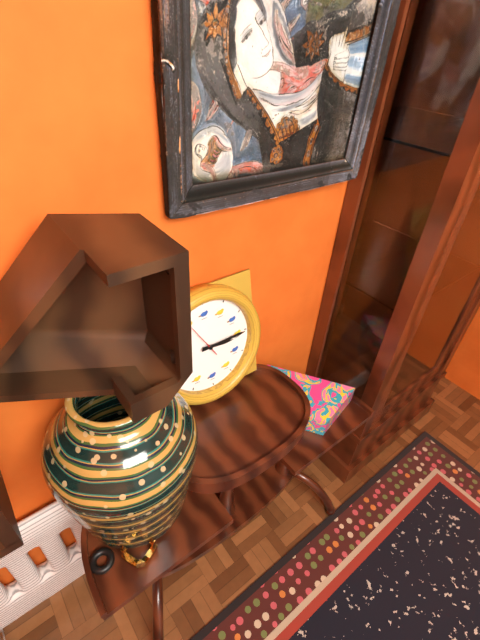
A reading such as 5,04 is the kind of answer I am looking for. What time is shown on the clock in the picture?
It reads 3,15
